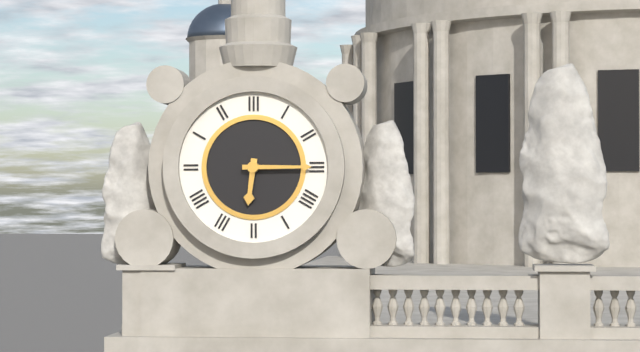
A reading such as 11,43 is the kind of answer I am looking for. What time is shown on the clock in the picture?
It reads 6,15
